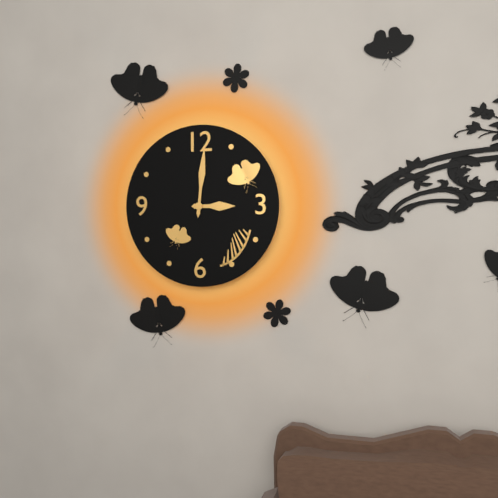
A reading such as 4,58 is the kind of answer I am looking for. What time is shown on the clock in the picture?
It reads 3,01
